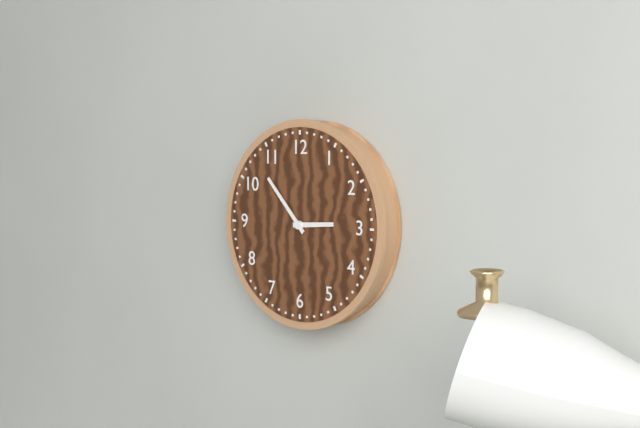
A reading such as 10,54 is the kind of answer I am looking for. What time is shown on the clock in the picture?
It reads 2,53
